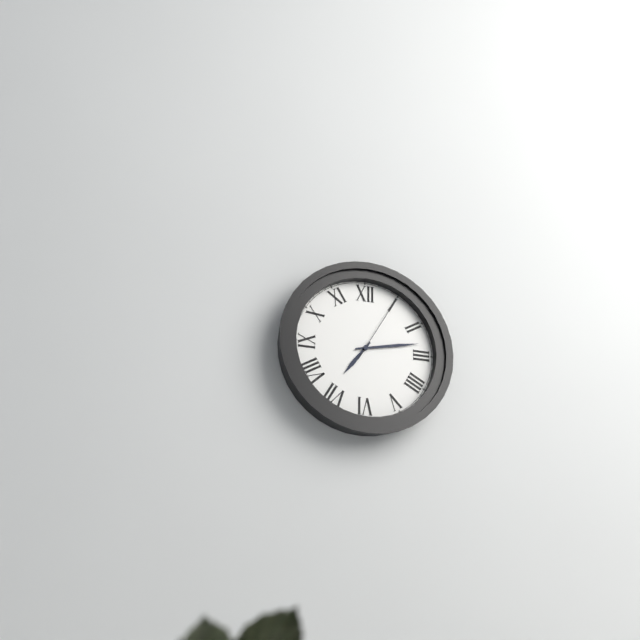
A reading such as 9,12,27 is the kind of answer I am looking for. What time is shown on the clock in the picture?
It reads 7,13,05
